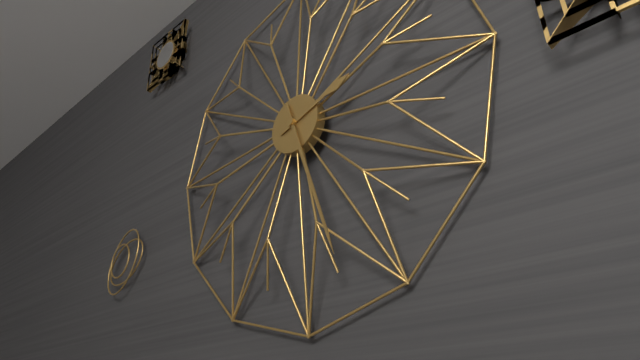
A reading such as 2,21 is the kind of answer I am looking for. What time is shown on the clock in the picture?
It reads 2,27
